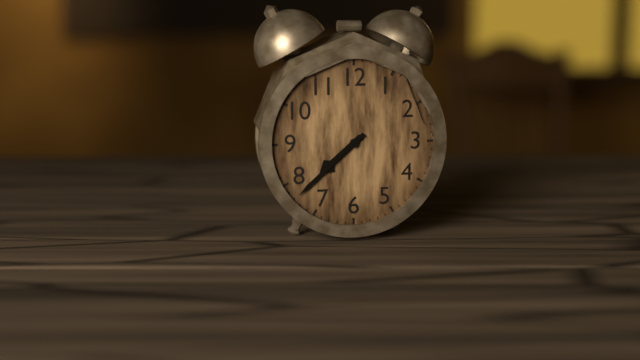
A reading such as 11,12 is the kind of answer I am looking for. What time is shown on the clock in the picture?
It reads 7,38
